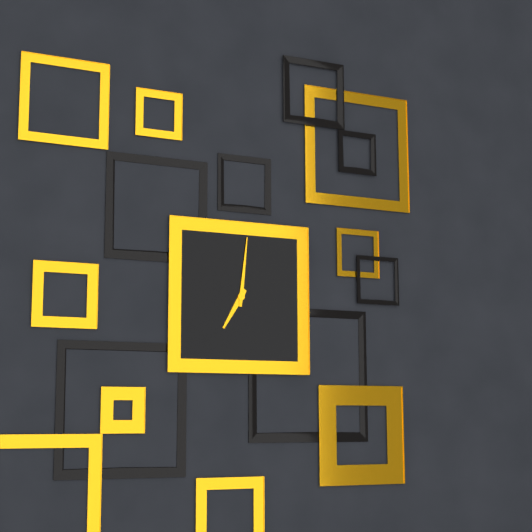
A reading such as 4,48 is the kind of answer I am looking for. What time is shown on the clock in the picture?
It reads 7,01
